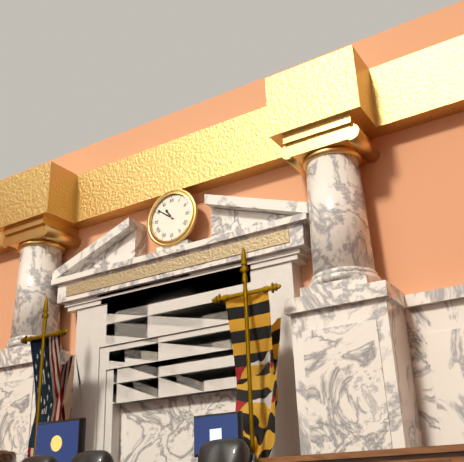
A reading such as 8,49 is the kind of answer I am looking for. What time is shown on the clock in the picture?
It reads 10,51
